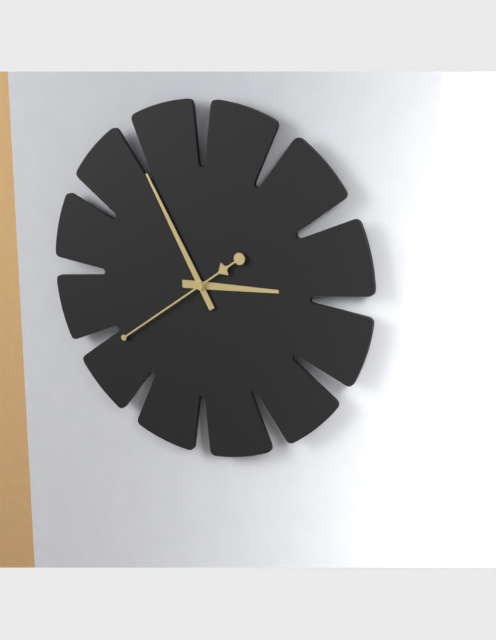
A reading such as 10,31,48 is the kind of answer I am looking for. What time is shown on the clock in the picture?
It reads 2,55,39
